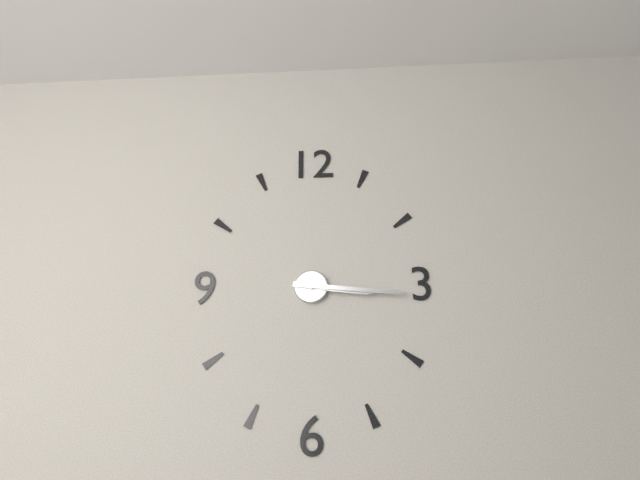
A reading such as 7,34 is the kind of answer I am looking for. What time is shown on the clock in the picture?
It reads 3,16
